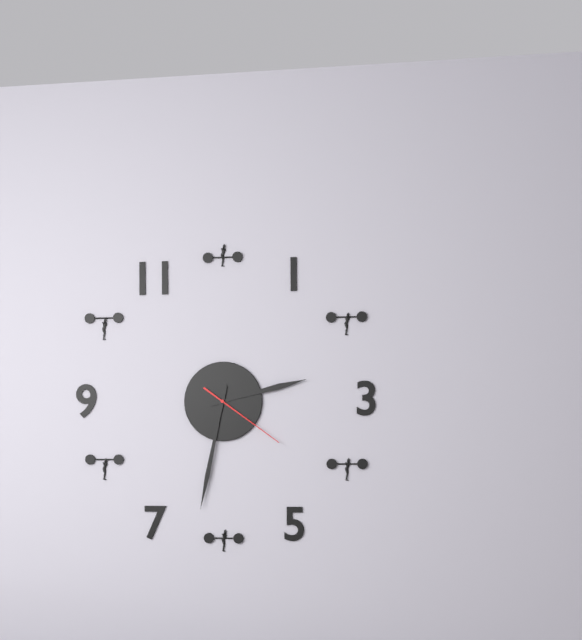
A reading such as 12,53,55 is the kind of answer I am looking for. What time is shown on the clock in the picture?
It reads 2,32,21
